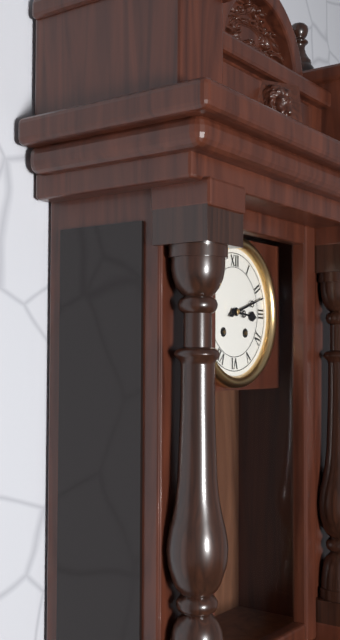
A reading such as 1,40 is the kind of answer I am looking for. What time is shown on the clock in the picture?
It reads 3,12
